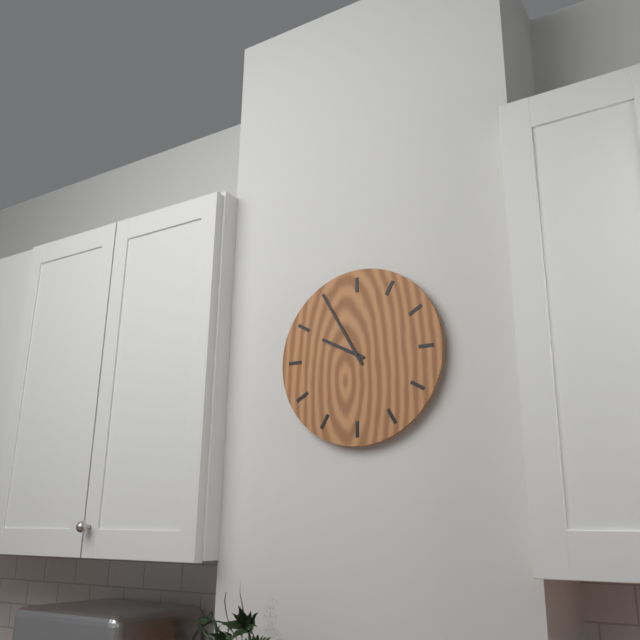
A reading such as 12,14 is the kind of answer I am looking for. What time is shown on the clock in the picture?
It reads 9,55
